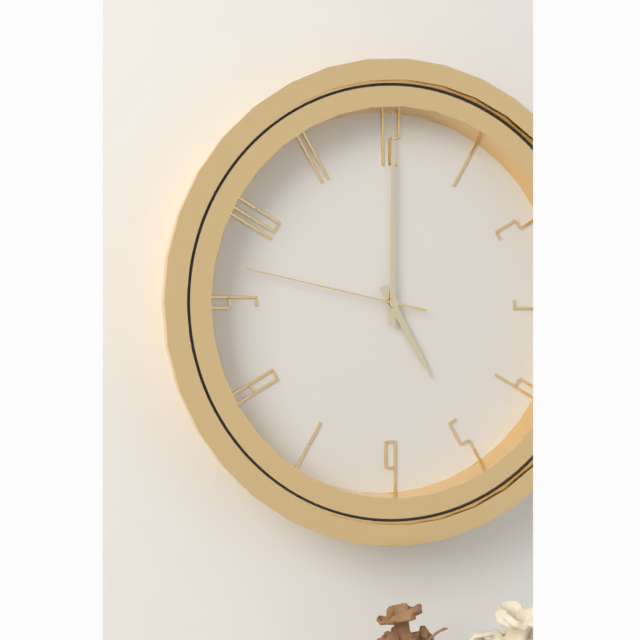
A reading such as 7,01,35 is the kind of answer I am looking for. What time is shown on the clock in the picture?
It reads 5,00,47
